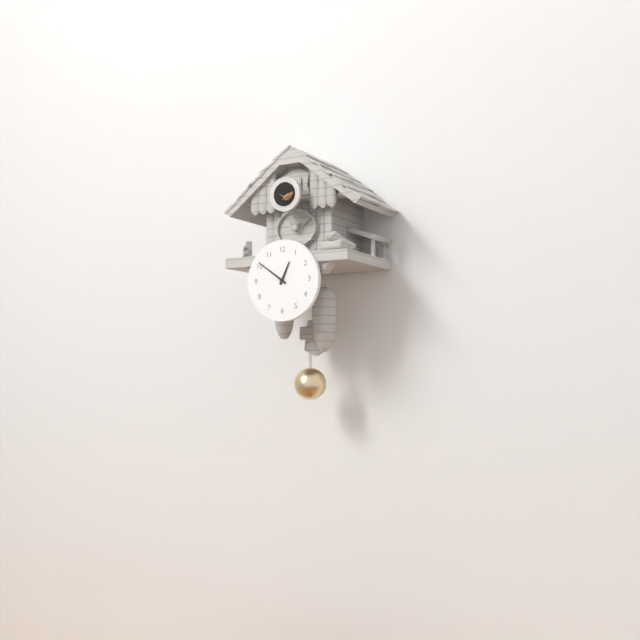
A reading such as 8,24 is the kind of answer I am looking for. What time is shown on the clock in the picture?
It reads 12,51
